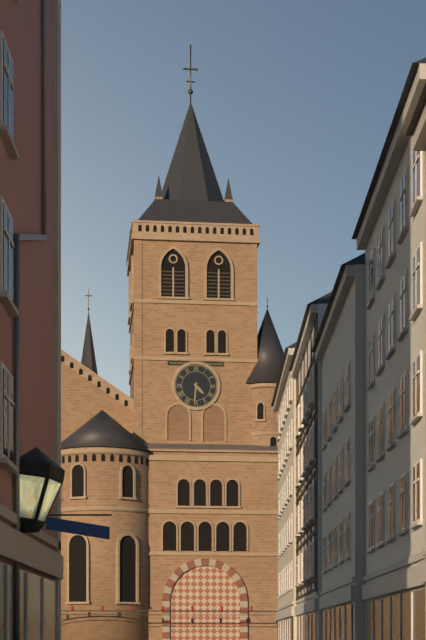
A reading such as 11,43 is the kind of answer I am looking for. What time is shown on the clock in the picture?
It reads 4,31
